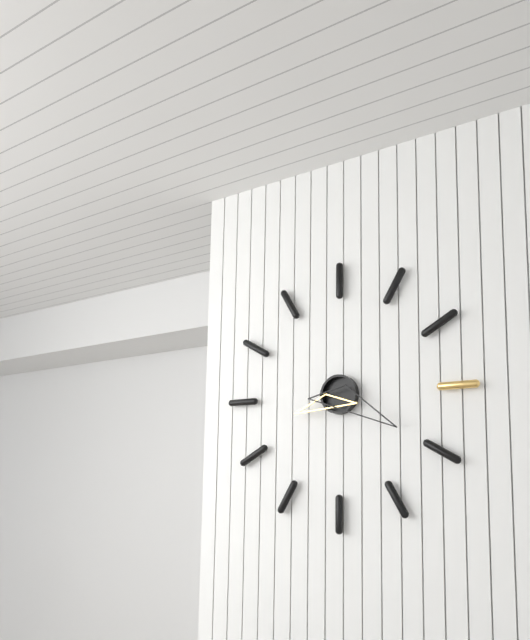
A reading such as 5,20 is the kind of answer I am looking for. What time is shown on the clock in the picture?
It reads 8,20
